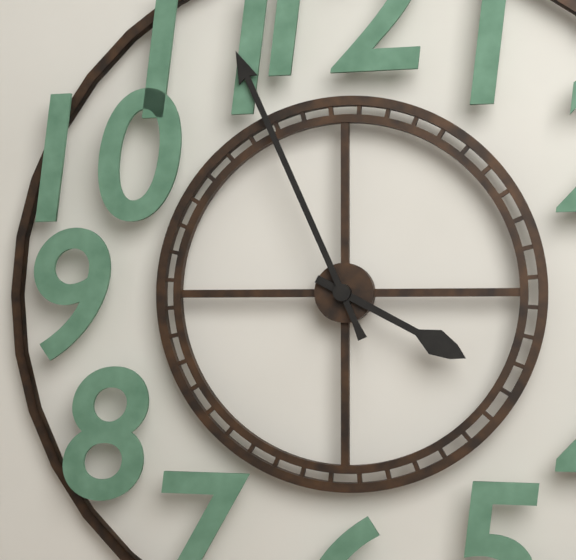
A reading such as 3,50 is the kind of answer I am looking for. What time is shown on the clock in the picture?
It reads 3,56
